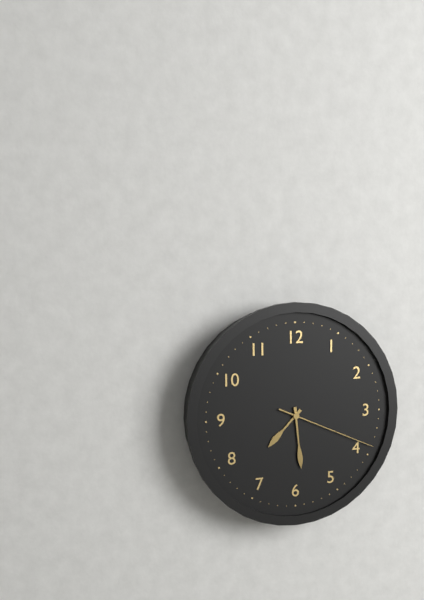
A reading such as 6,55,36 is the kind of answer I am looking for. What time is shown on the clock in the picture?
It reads 7,29,19
